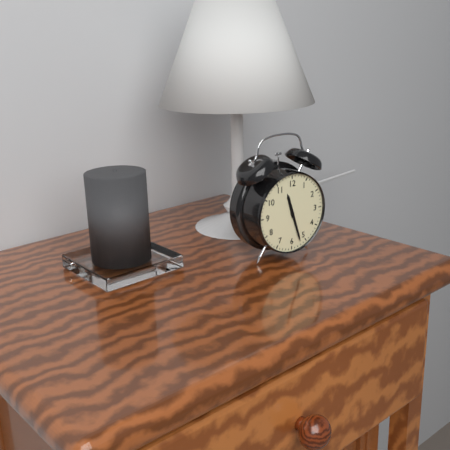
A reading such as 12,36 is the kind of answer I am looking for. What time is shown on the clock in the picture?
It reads 11,27
